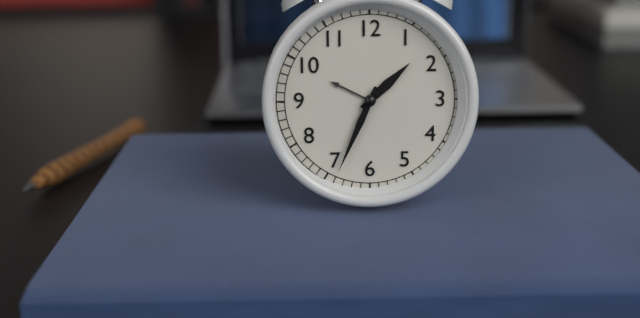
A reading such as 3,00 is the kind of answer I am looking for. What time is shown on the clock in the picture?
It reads 1,34
